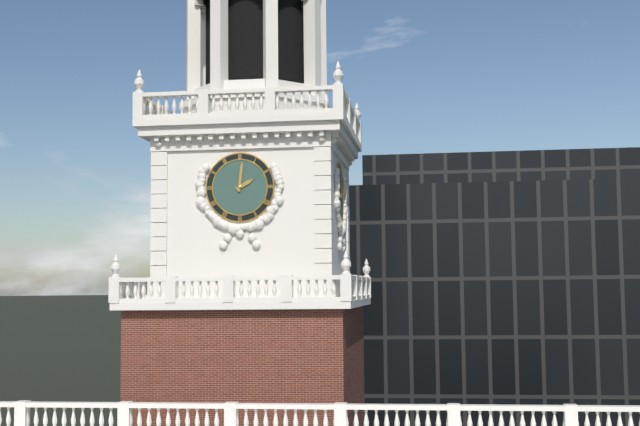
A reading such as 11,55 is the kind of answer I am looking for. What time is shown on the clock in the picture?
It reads 2,01
